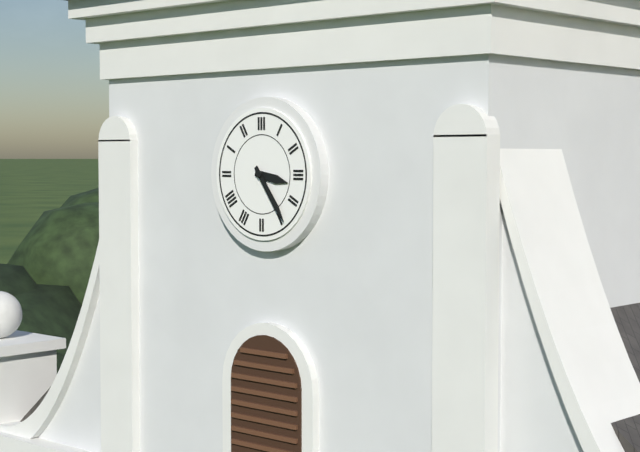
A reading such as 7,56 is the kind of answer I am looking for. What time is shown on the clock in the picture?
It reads 3,24
